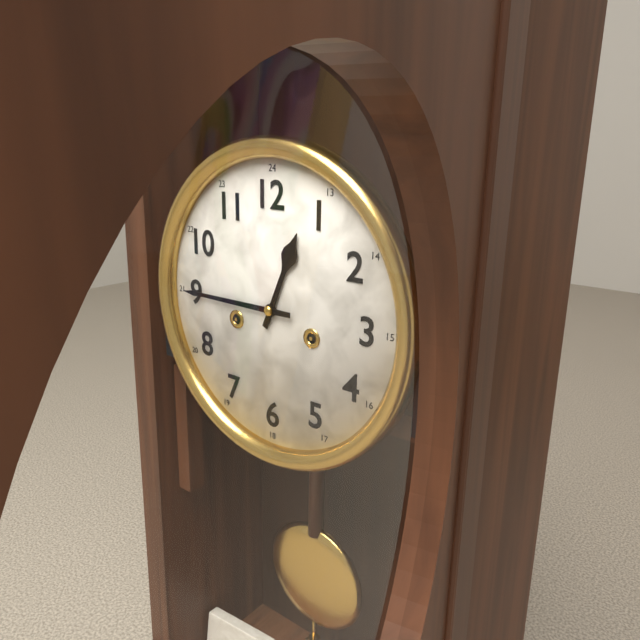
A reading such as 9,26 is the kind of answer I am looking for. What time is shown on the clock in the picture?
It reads 12,45
